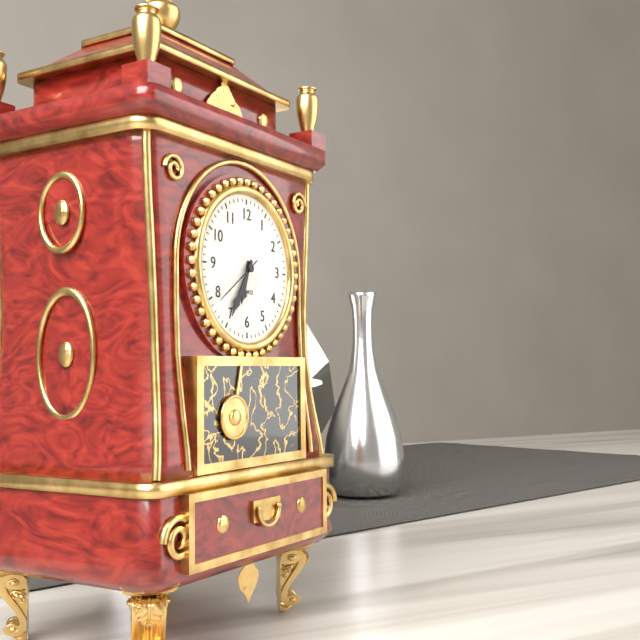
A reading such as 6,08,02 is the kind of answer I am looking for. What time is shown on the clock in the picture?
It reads 6,35,39
